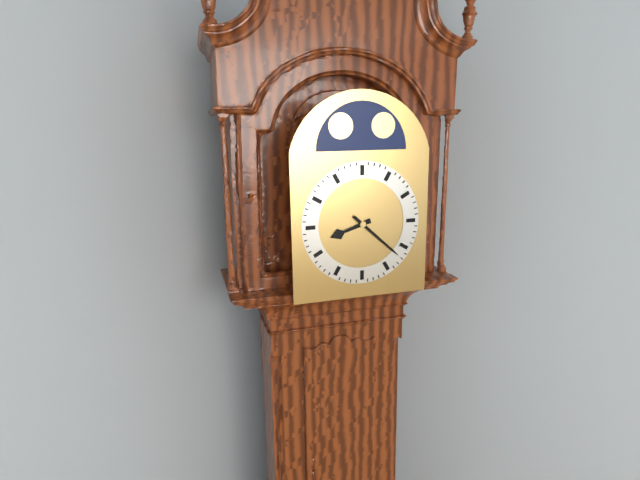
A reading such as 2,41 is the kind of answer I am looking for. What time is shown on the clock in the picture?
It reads 8,22
